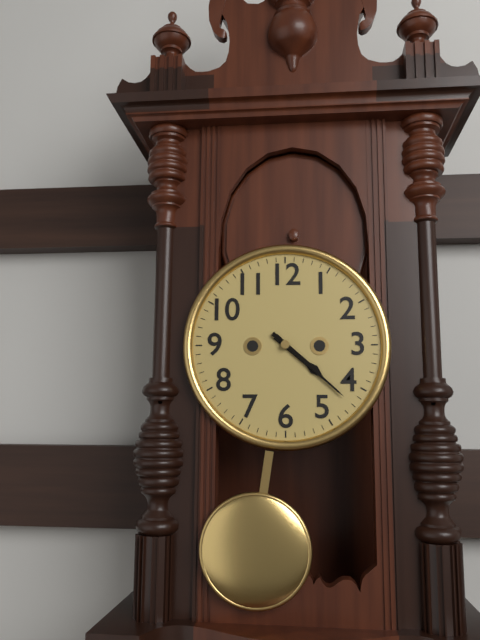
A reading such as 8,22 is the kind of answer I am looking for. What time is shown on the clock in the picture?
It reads 4,22
